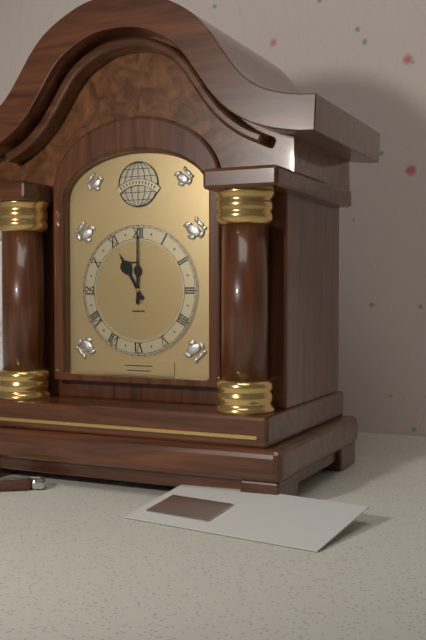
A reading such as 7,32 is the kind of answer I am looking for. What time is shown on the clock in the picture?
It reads 11,00
